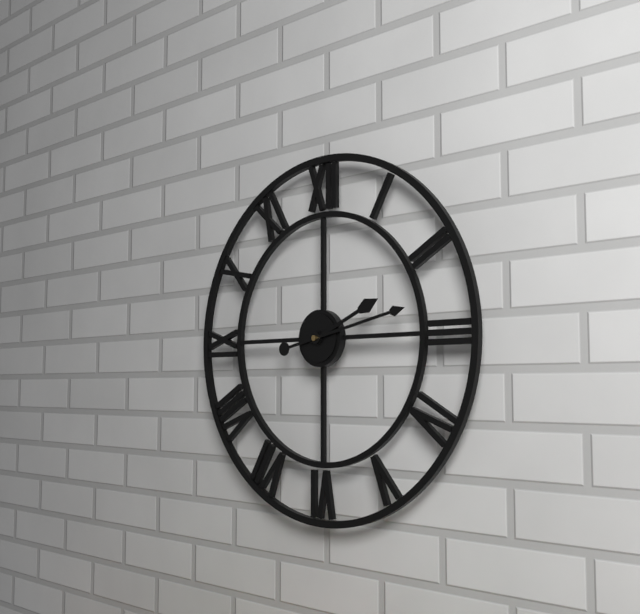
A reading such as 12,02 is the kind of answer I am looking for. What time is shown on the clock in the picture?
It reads 2,13
